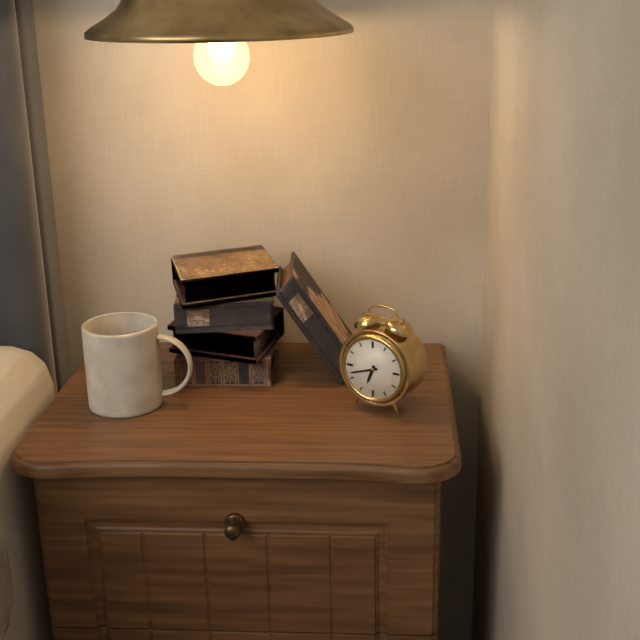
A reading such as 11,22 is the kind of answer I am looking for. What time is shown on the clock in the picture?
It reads 6,42
